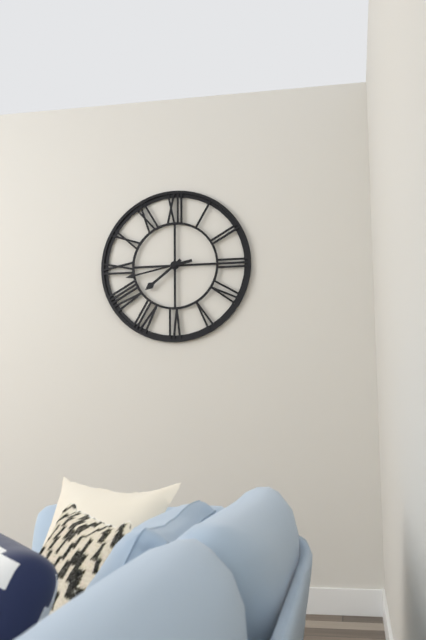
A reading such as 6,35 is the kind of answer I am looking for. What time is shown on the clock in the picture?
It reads 7,43
